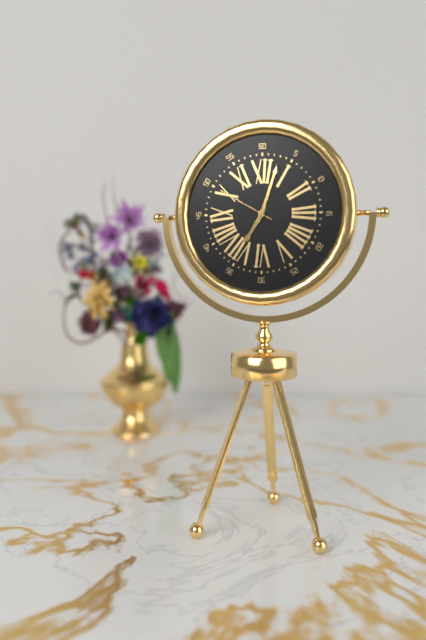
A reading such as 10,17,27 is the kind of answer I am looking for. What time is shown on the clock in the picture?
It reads 7,03,50
